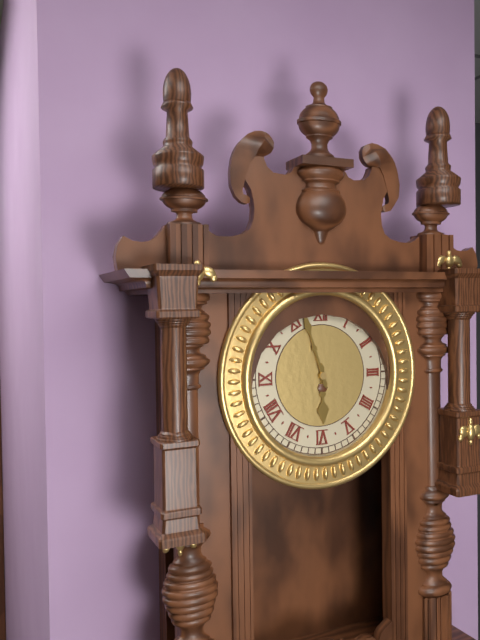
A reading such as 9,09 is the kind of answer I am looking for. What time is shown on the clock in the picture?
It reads 5,57
